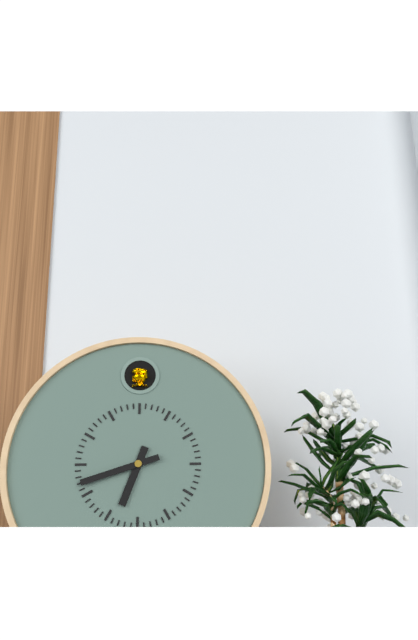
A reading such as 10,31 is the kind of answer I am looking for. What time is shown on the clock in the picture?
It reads 6,42
